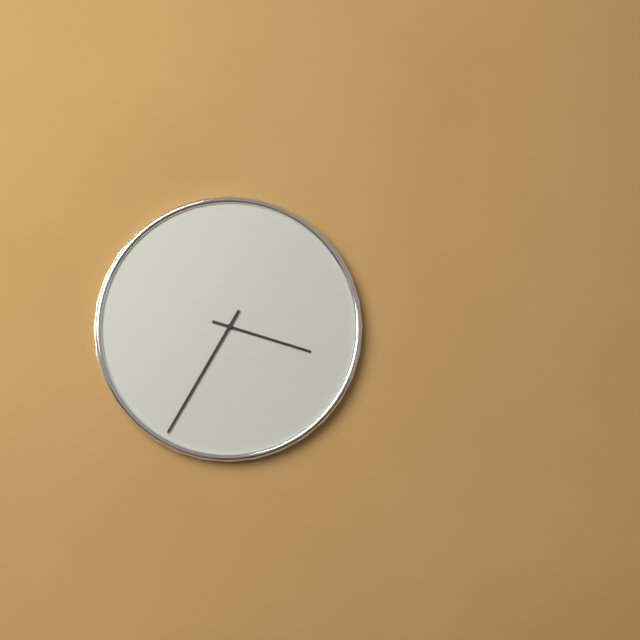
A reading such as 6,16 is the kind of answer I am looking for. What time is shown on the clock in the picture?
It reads 3,35
